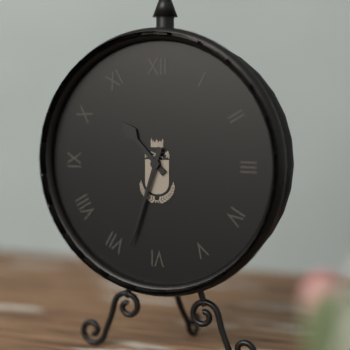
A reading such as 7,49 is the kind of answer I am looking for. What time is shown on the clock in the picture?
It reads 10,33
